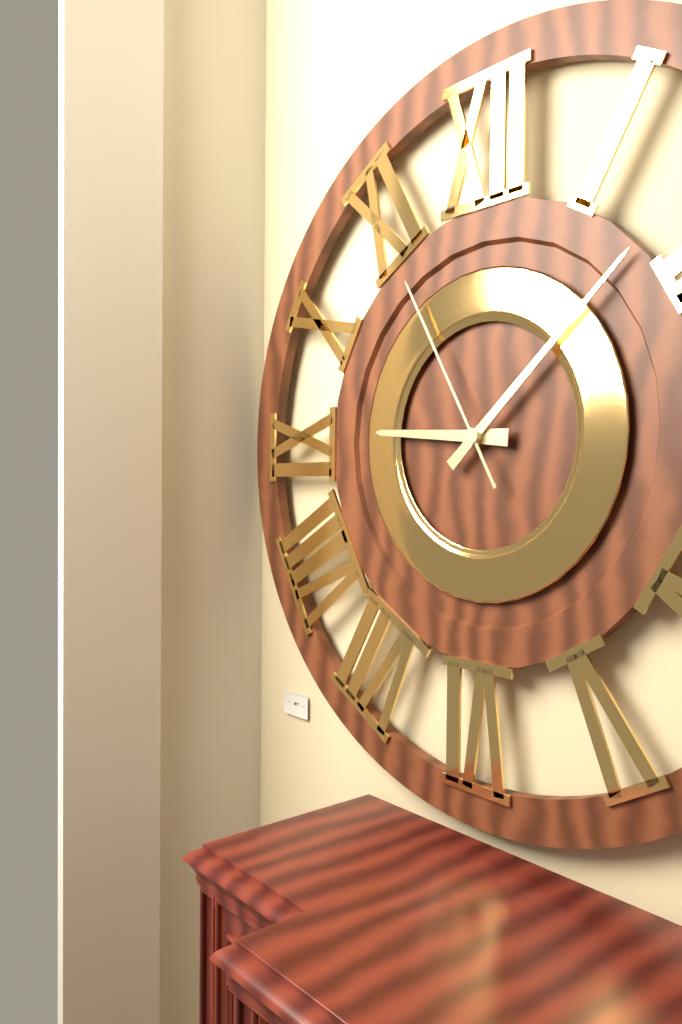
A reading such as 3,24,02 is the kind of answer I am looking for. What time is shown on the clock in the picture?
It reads 9,08,55
